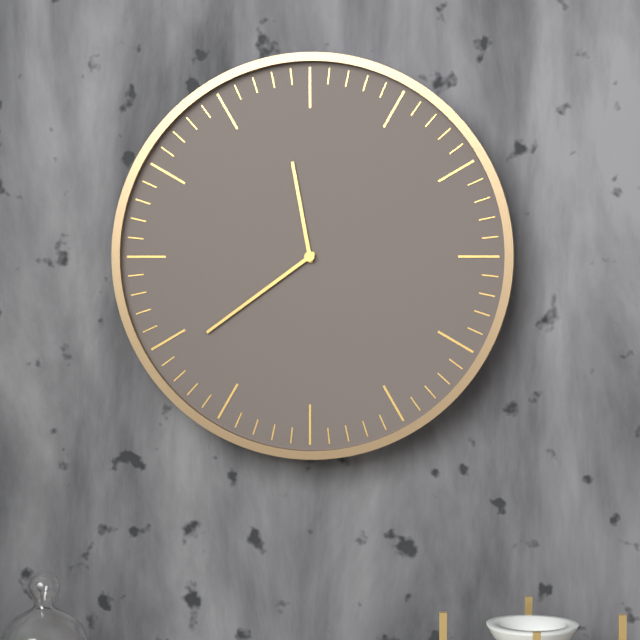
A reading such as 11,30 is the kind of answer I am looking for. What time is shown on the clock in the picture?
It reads 11,39
